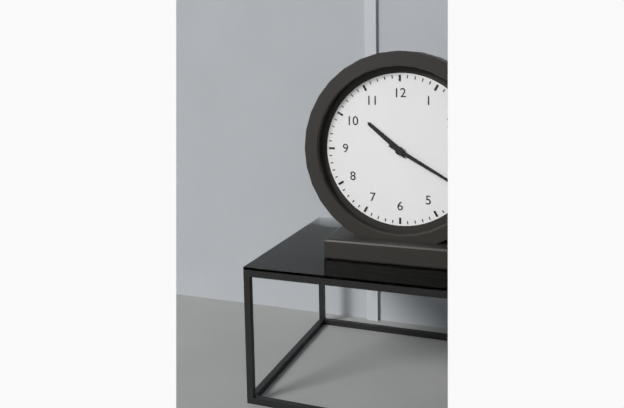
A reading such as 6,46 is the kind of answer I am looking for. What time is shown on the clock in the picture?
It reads 10,20
